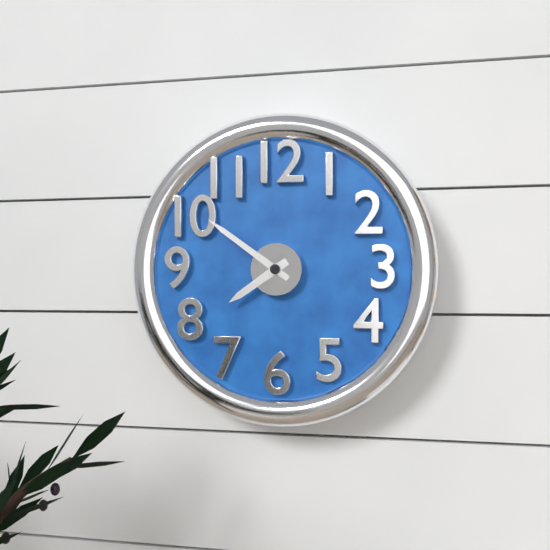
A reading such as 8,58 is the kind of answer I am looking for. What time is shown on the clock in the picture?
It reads 7,51
